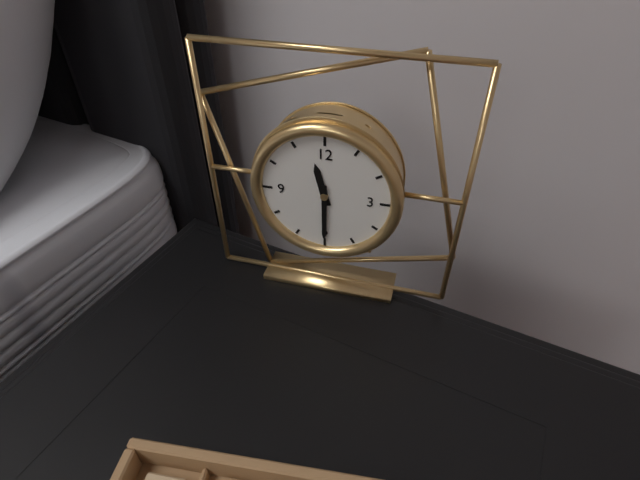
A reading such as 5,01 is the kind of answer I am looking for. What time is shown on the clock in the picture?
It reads 11,30
